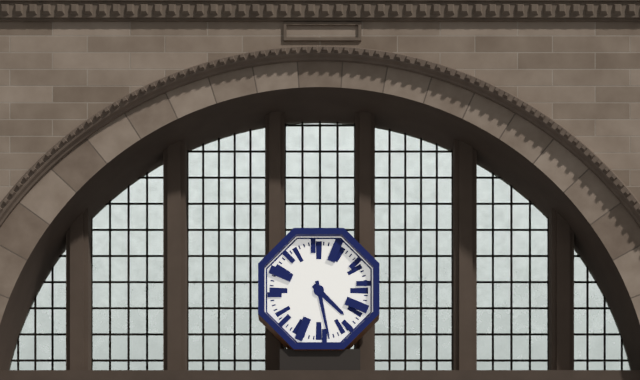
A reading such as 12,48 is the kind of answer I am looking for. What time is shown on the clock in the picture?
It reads 4,28
